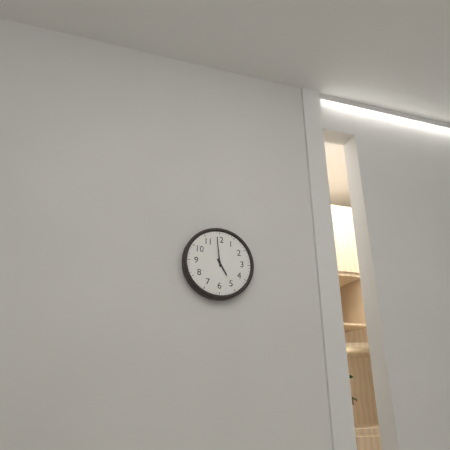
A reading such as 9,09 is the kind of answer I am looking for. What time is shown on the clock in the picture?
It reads 4,59
